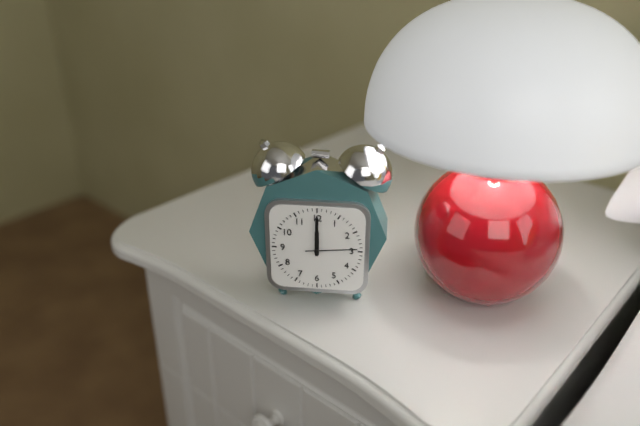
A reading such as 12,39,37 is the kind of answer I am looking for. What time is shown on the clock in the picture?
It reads 12,00,14
